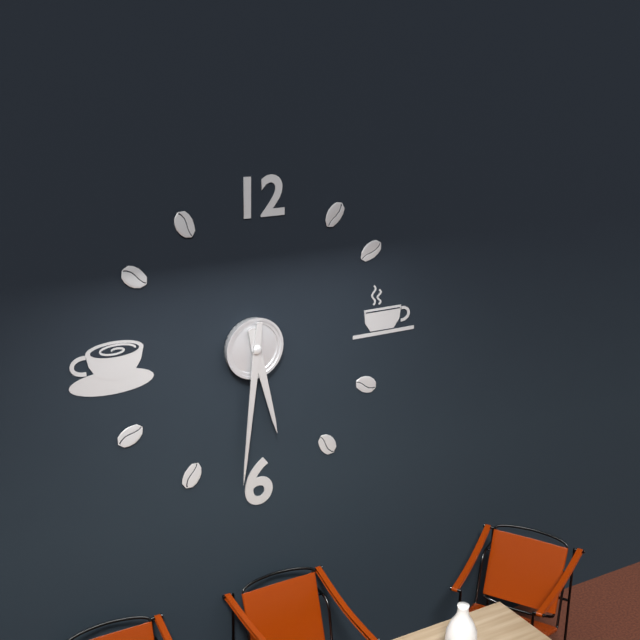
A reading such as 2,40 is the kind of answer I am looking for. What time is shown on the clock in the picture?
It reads 5,31
